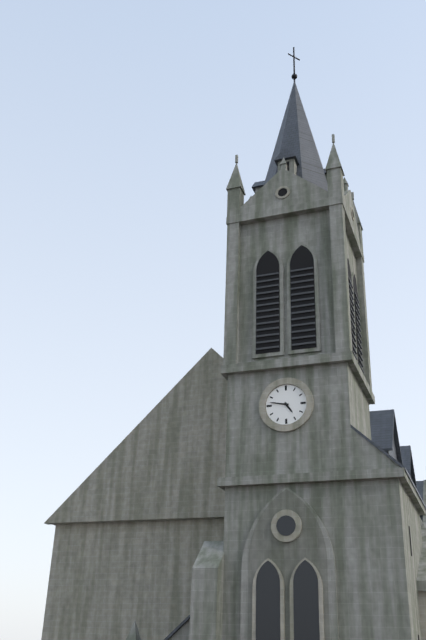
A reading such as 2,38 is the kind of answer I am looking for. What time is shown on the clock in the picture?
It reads 4,47
